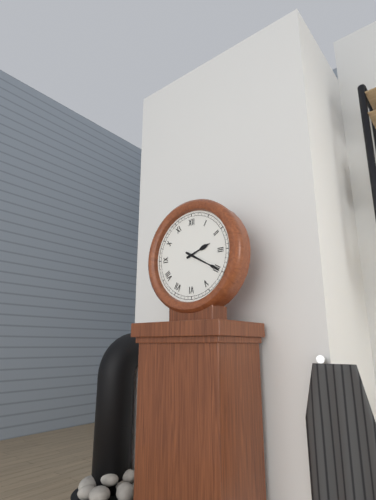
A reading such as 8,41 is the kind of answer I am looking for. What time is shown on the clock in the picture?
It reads 2,20
